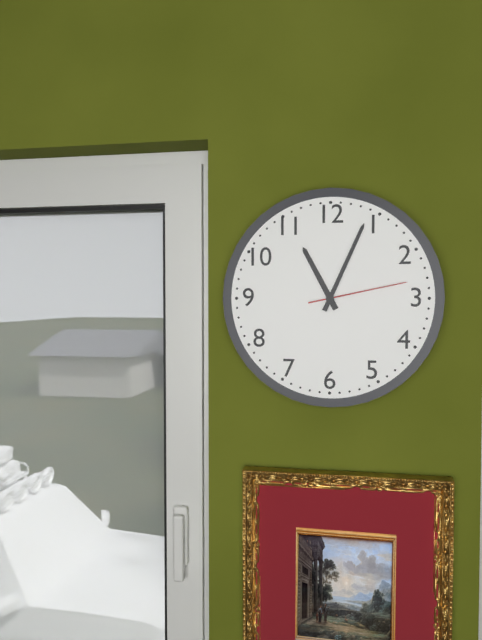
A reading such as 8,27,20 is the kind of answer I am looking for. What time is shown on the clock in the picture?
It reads 11,04,13
